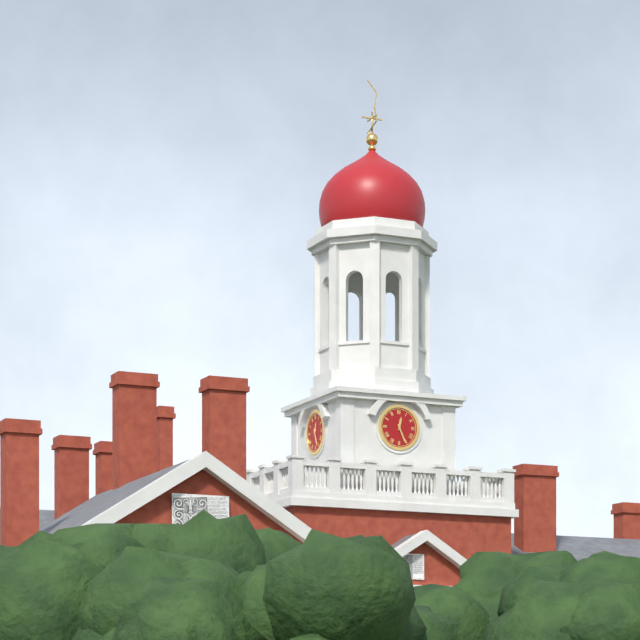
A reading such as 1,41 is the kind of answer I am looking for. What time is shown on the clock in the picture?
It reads 12,26
